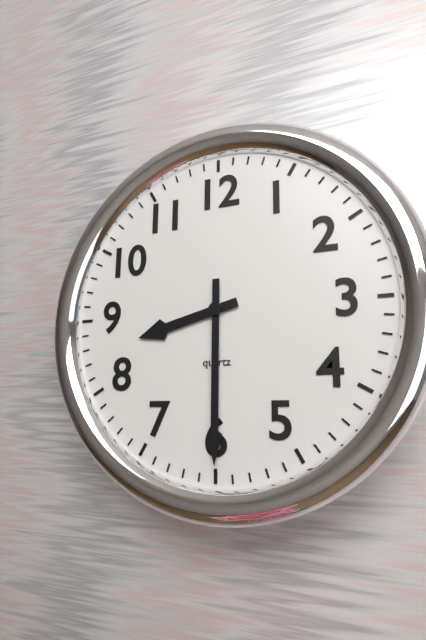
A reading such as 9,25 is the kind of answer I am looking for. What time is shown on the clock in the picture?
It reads 8,30
